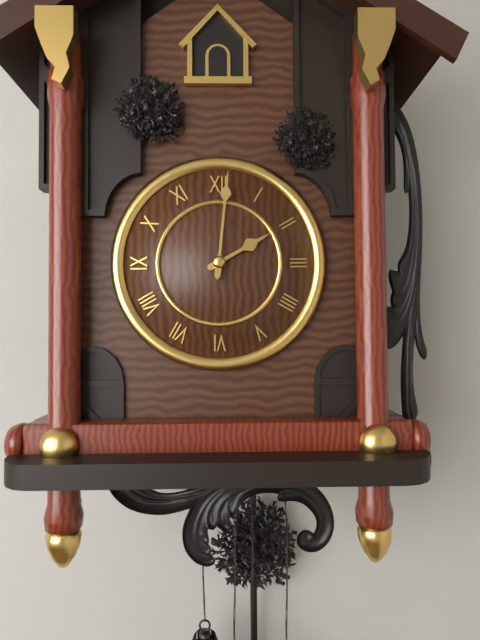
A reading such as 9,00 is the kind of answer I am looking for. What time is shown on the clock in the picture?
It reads 2,01
